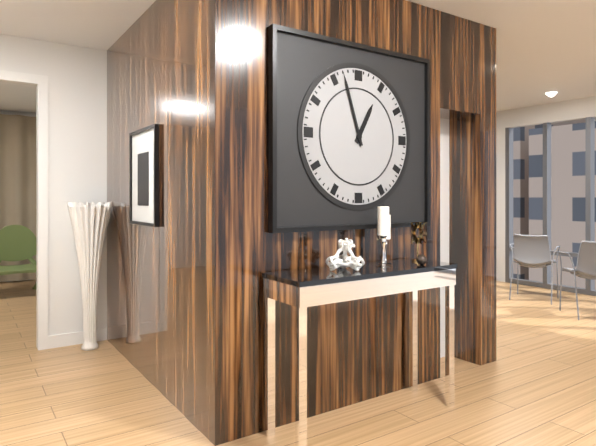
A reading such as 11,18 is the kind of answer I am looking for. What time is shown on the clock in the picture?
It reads 12,57
